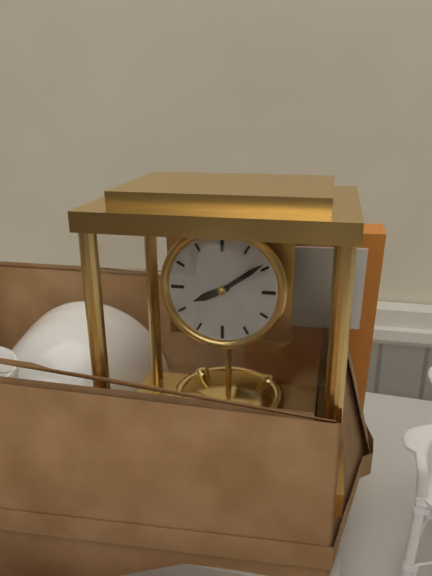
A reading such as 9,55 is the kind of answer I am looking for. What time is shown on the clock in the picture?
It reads 8,09
